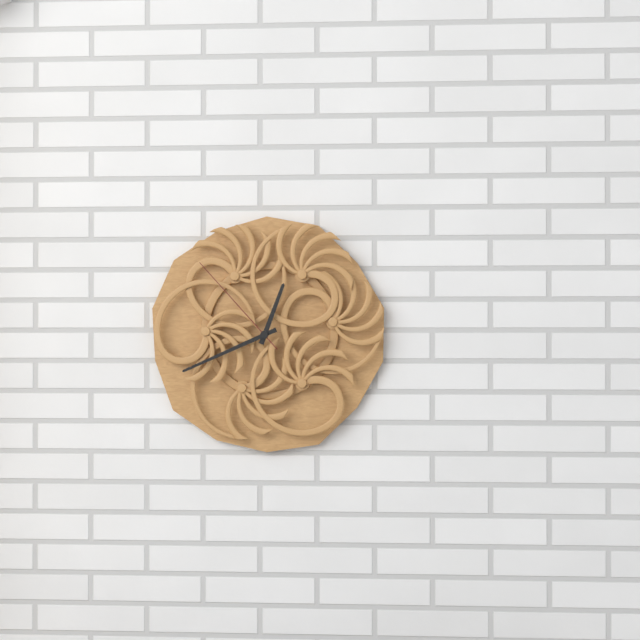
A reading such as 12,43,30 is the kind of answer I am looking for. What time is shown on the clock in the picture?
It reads 12,41,53
